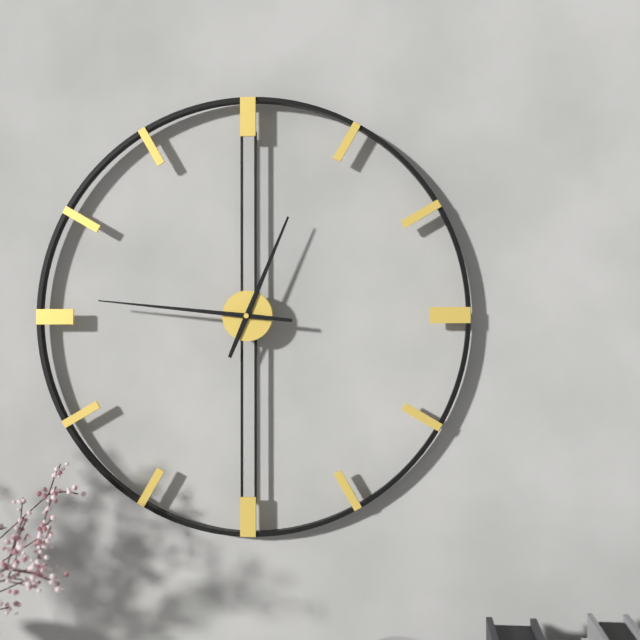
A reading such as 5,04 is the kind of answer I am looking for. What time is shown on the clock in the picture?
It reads 12,46
